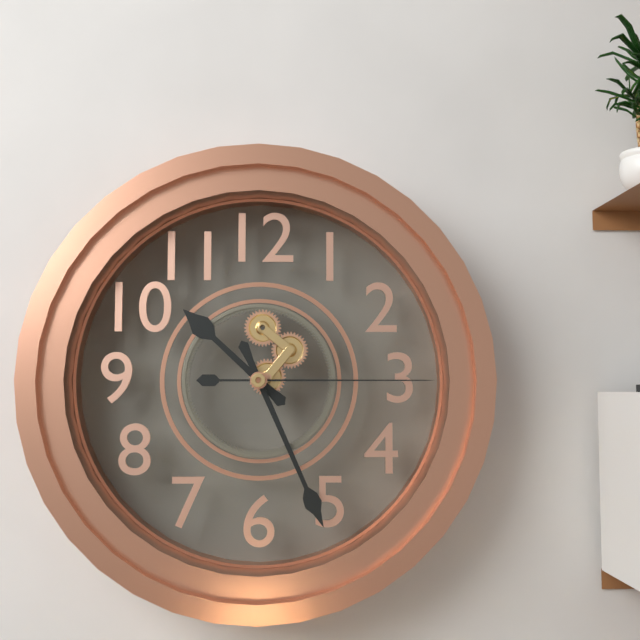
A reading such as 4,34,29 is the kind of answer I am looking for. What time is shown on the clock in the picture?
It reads 10,26,15
